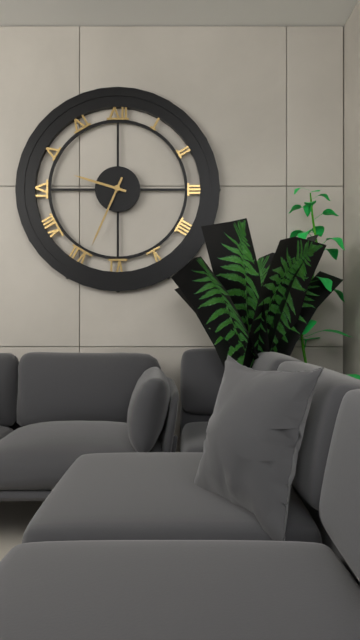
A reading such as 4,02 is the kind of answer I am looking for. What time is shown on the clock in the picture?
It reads 9,34
